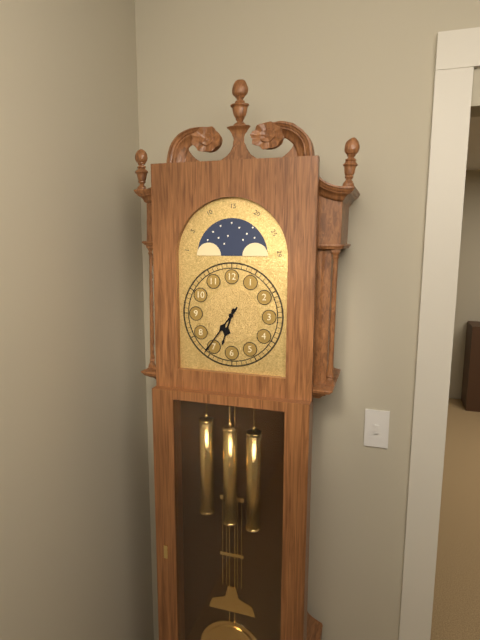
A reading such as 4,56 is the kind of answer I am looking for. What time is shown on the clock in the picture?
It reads 6,36
